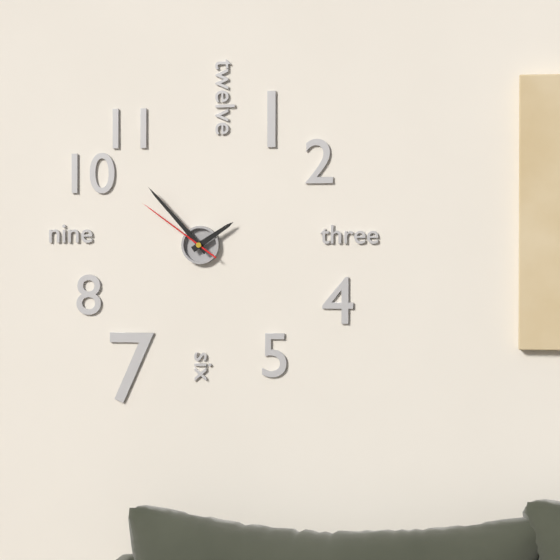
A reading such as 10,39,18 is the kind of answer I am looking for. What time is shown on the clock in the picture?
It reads 1,53,51
